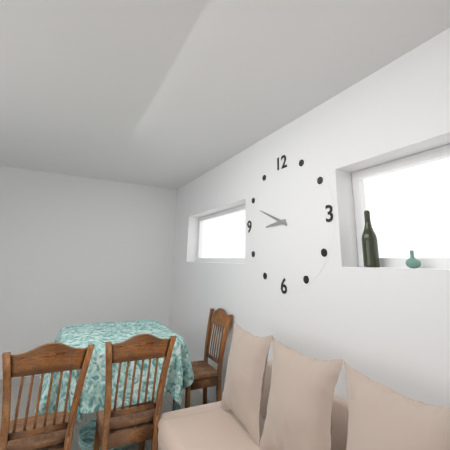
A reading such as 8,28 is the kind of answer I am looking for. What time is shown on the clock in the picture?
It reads 8,49
